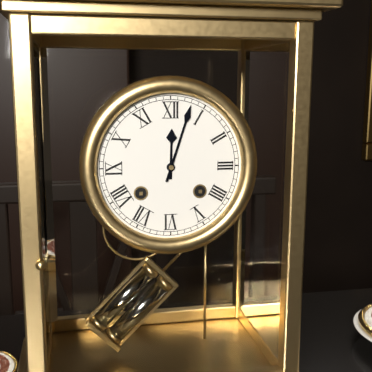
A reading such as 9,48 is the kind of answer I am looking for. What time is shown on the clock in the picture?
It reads 12,03
